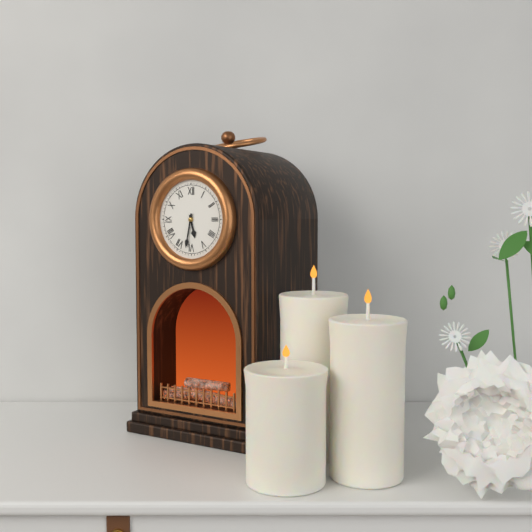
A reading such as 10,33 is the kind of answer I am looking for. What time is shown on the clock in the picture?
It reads 5,32
